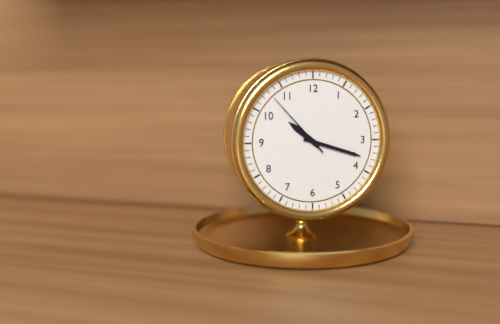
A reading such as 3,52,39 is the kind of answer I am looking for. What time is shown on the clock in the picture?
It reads 10,18,53
